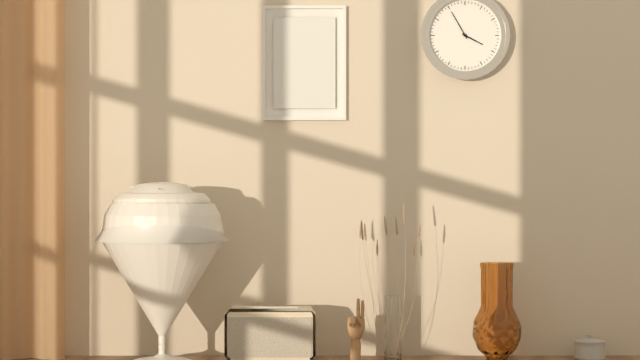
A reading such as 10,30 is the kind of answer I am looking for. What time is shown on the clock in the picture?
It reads 3,55
